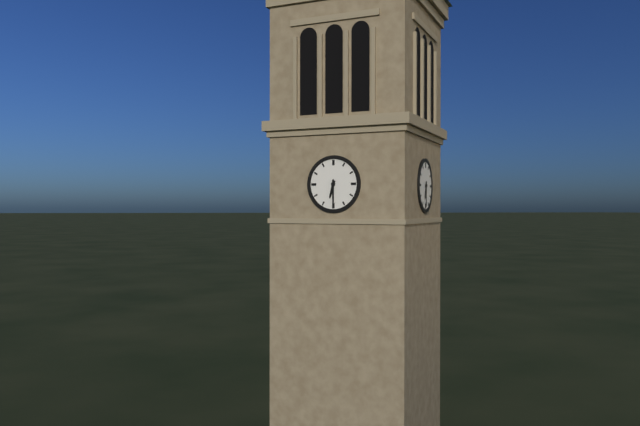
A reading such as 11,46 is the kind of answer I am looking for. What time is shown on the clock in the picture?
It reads 6,30
